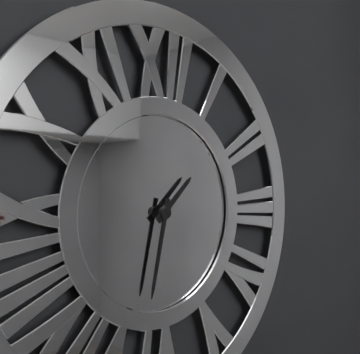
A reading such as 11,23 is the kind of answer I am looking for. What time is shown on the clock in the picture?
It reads 1,32
